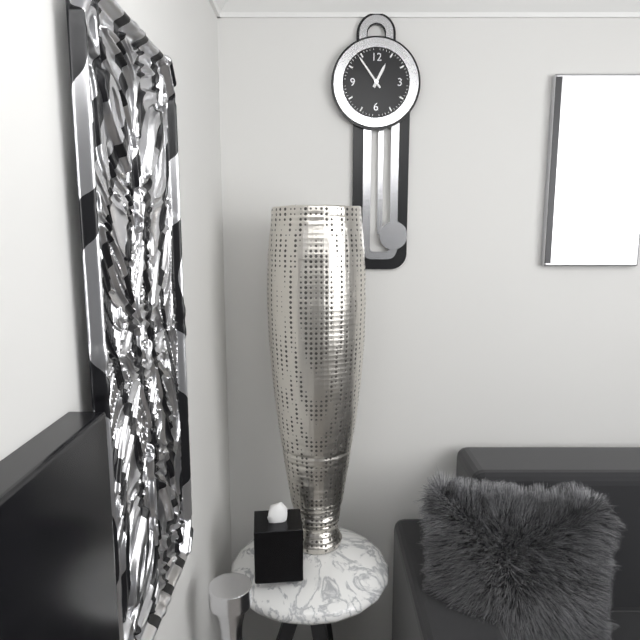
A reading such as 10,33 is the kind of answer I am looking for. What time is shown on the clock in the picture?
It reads 12,54
